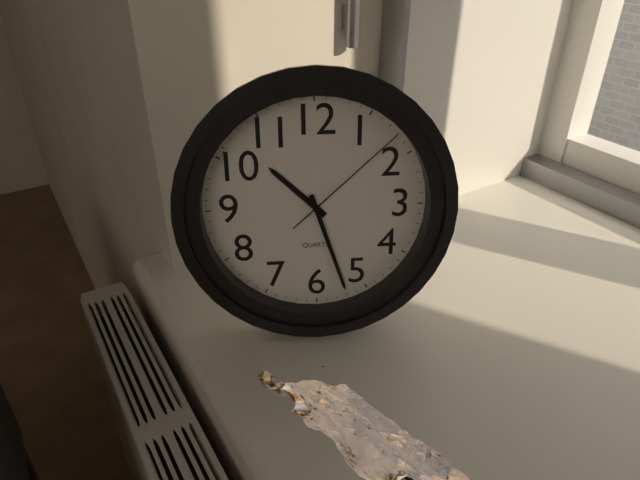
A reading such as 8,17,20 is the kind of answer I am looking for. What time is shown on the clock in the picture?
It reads 10,27,08
